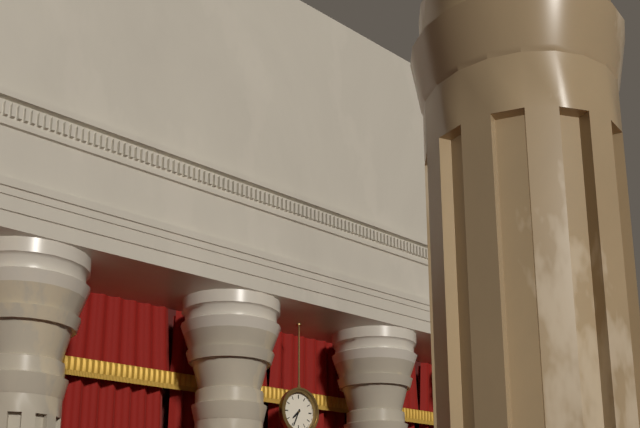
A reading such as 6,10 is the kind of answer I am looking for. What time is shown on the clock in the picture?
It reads 7,34
